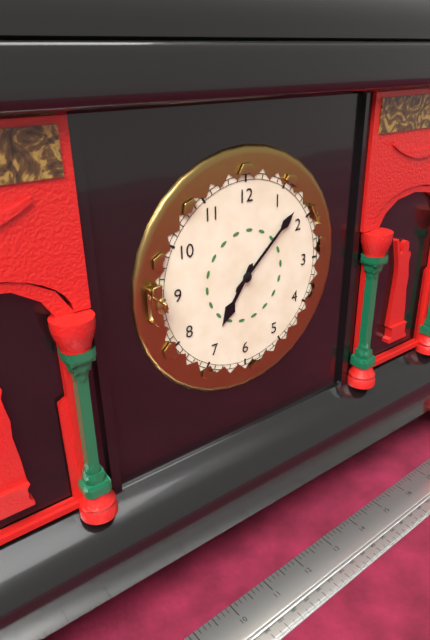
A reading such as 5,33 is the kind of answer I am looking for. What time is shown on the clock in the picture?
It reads 7,08
